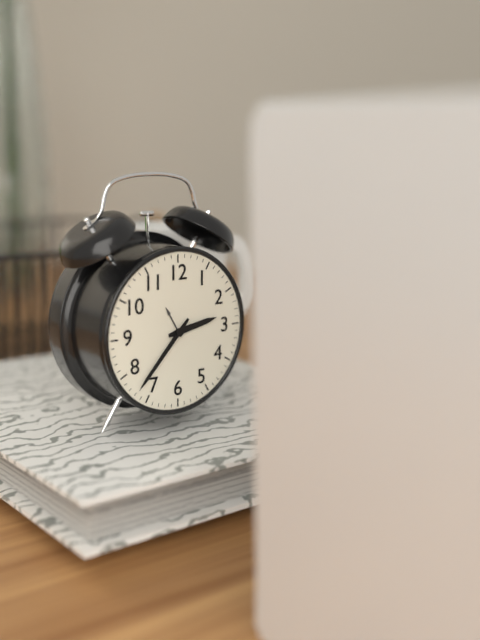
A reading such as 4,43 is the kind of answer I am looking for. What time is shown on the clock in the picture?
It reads 2,37
